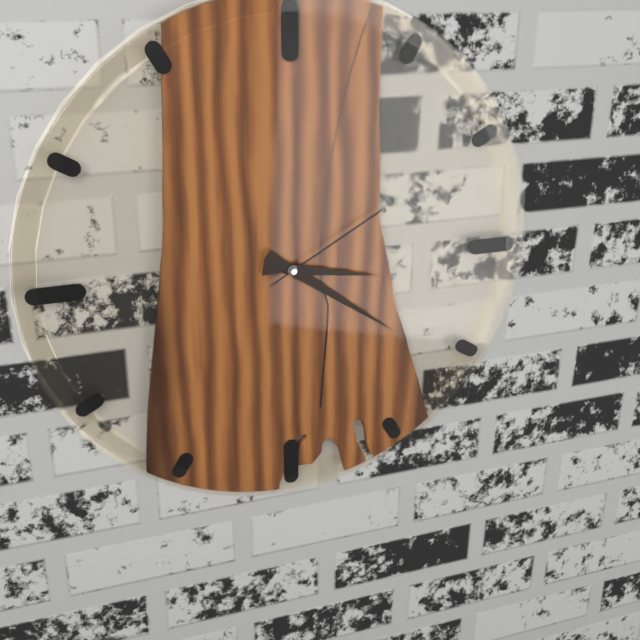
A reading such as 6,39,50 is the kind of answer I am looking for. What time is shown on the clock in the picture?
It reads 3,21,10
